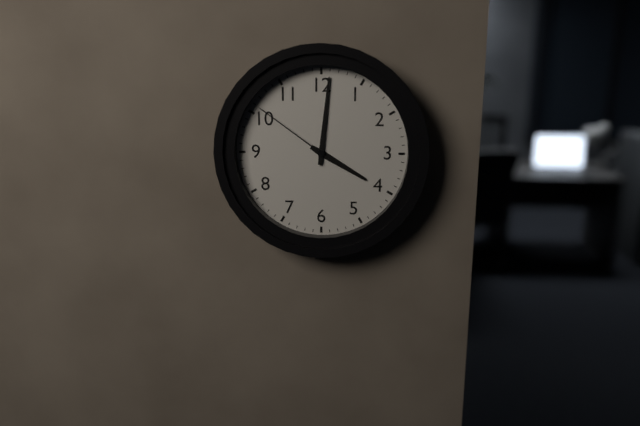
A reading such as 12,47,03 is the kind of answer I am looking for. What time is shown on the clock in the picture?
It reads 4,01,51
